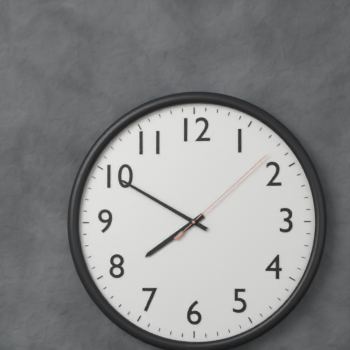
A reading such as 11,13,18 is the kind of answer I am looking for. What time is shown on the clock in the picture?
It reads 7,50,08
